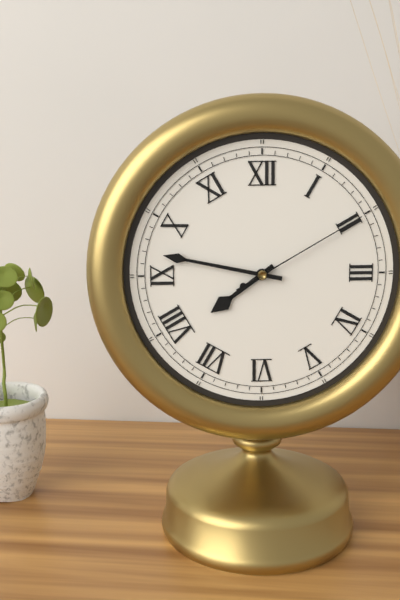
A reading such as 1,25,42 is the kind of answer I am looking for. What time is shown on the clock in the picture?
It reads 7,47,10
